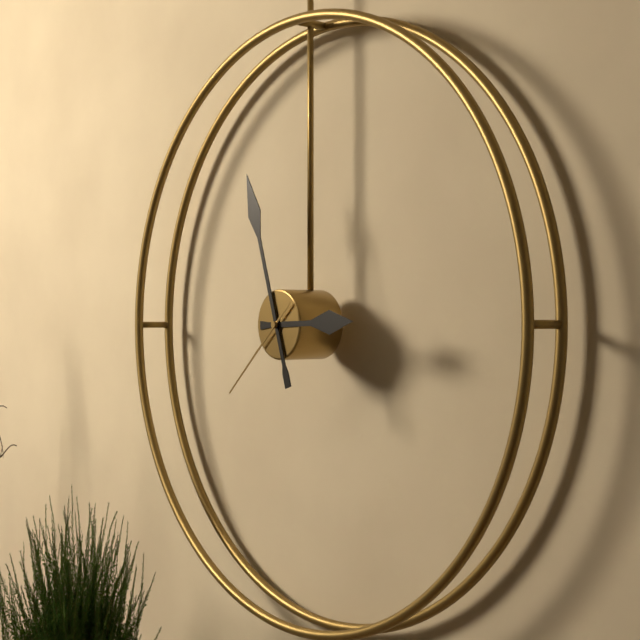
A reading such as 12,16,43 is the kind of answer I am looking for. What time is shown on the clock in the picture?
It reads 2,57,38
